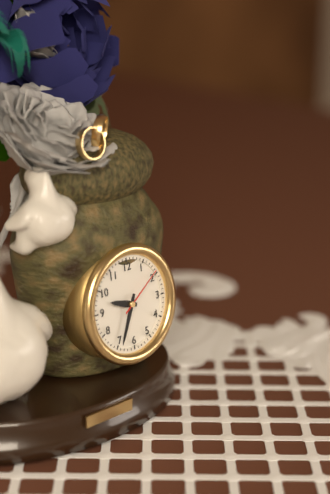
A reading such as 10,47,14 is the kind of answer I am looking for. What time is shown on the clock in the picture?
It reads 9,34,09
